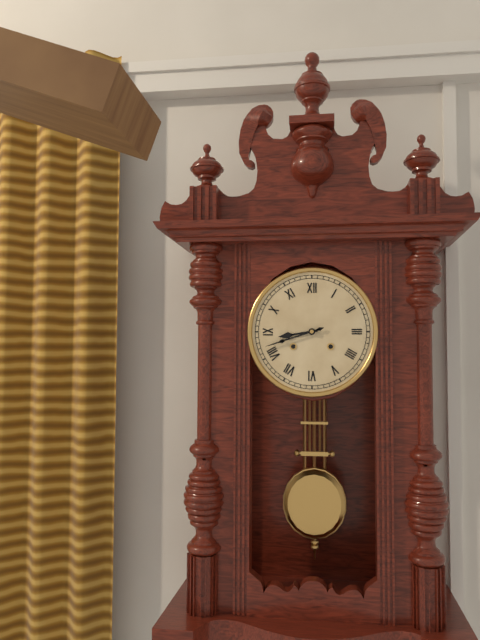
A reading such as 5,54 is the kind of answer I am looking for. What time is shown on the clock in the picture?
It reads 8,42
